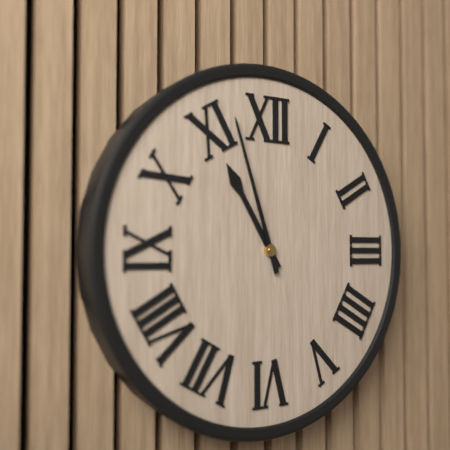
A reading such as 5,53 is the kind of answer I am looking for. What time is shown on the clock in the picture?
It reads 10,57
